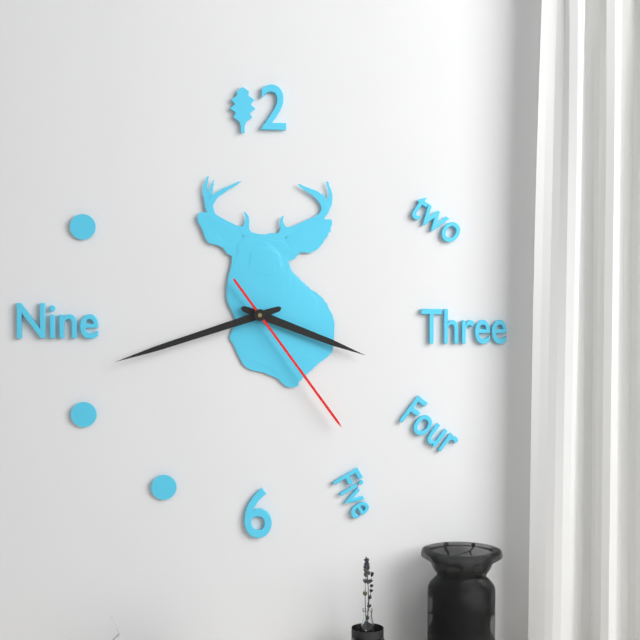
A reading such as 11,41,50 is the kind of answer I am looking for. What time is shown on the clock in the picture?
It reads 3,42,24
